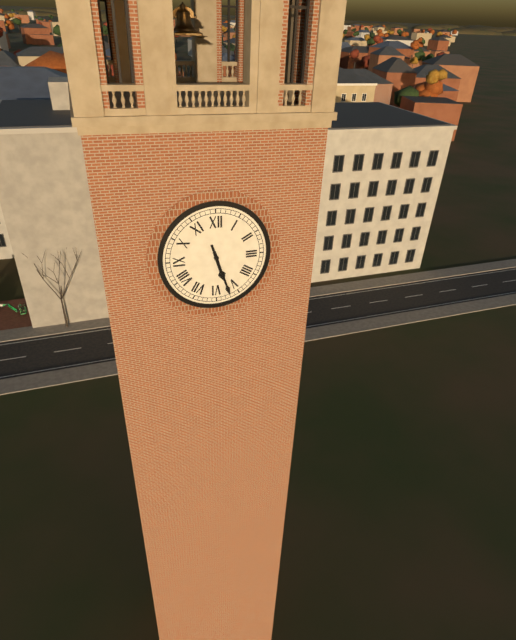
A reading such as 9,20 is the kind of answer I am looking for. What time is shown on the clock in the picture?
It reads 5,27
